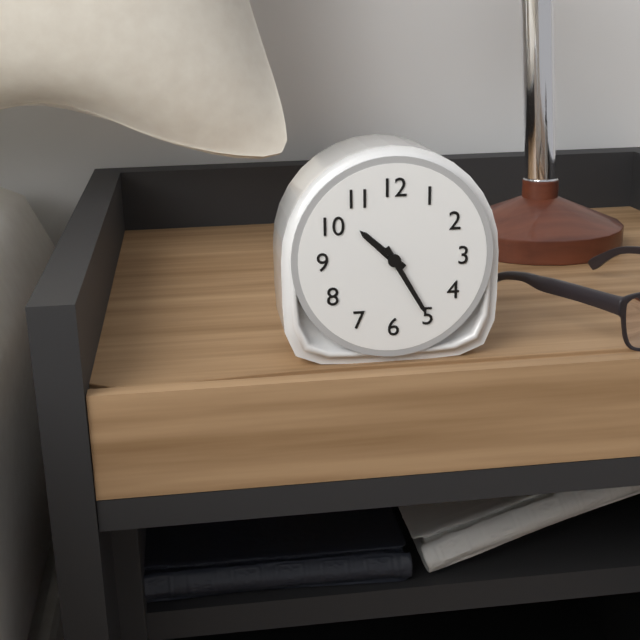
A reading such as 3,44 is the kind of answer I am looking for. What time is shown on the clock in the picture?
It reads 10,25
